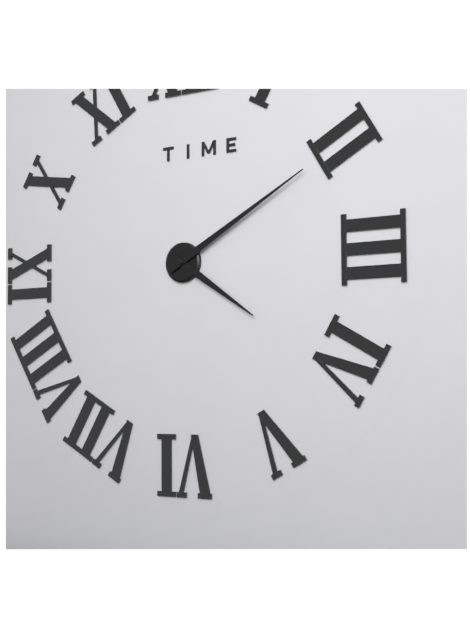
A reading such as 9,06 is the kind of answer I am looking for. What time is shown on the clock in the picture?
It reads 4,10
